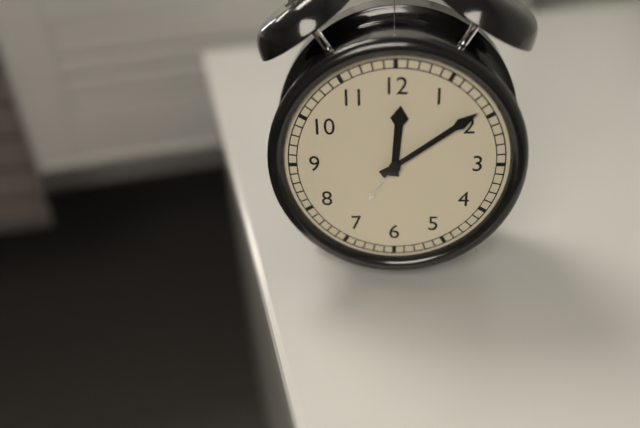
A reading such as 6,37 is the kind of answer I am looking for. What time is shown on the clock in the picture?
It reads 12,09
